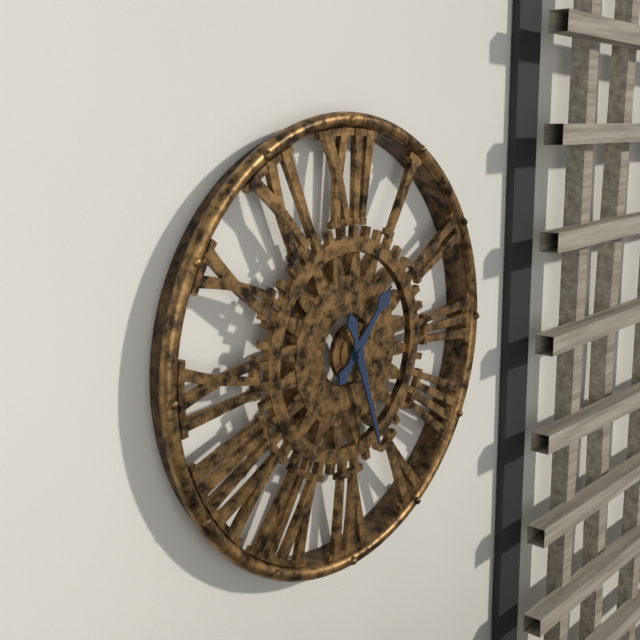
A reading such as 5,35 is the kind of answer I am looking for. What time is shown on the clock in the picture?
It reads 1,27
